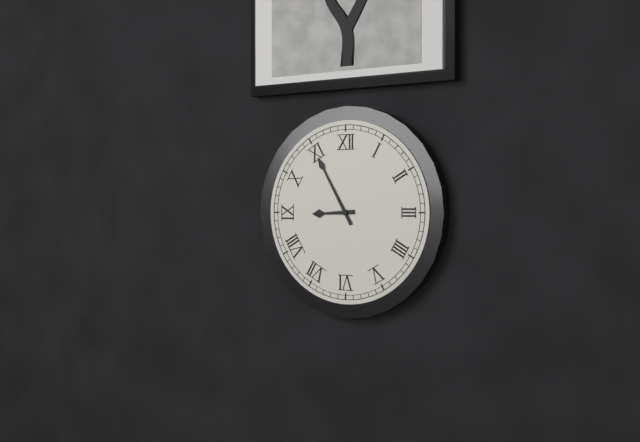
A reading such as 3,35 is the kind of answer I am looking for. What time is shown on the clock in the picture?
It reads 8,55
